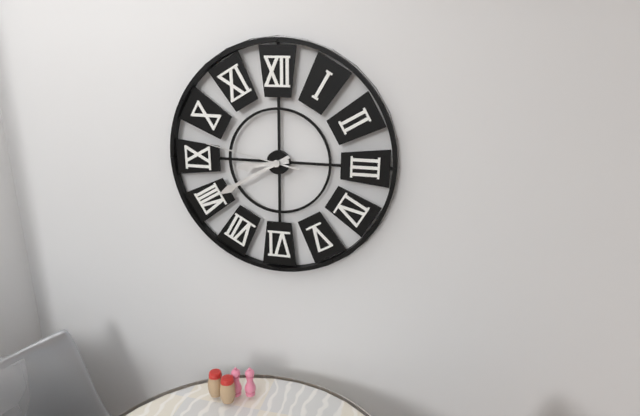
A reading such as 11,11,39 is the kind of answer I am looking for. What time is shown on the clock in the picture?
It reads 8,40,47
